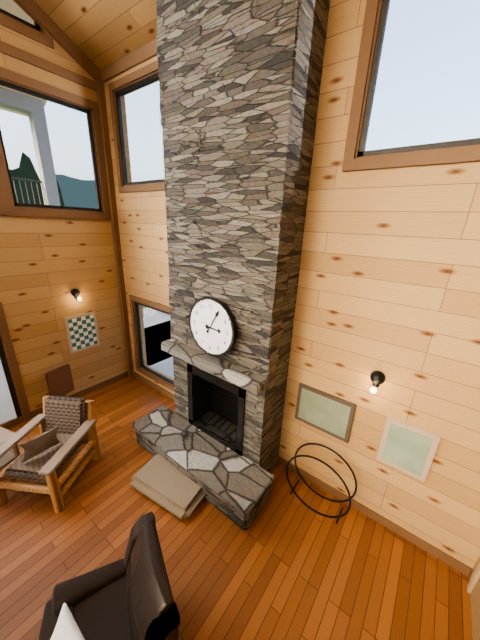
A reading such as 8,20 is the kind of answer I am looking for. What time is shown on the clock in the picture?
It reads 3,05
